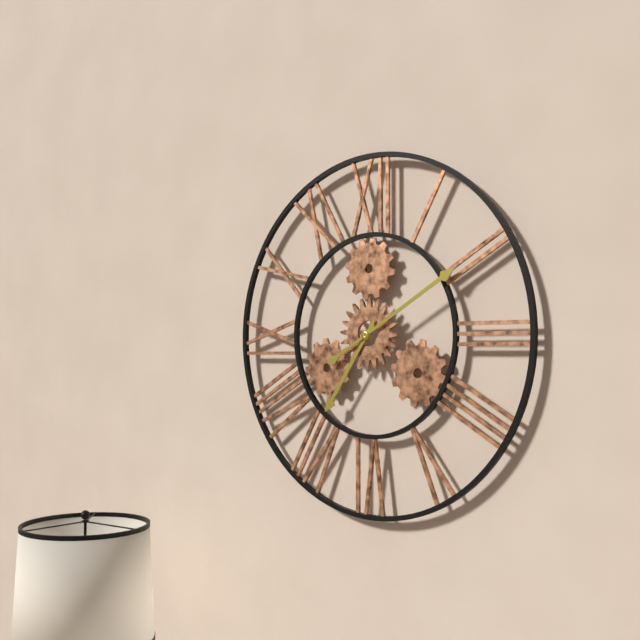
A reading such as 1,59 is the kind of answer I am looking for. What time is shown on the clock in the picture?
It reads 7,10
